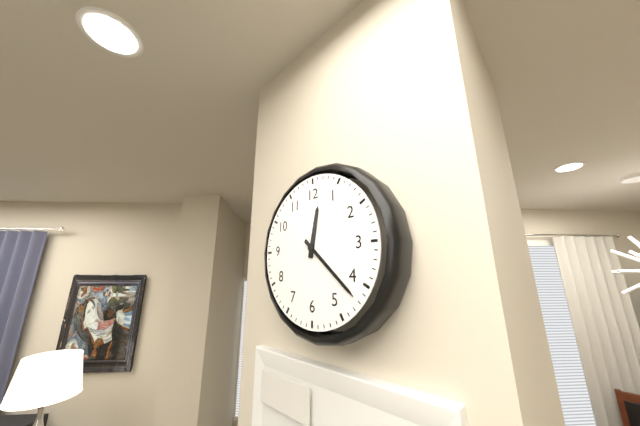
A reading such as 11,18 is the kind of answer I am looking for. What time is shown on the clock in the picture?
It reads 12,22
